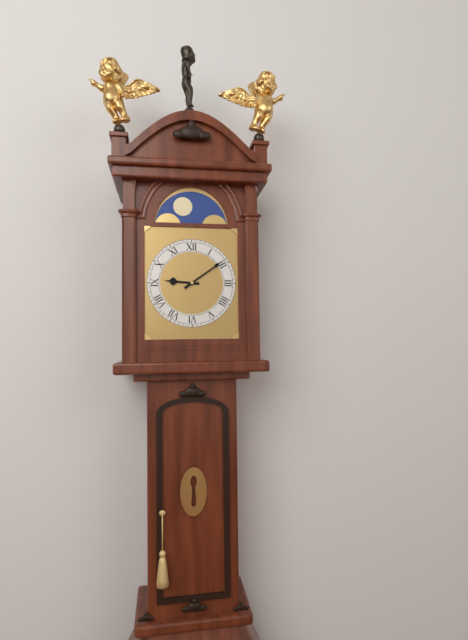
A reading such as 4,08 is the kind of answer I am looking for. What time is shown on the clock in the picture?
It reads 9,09
